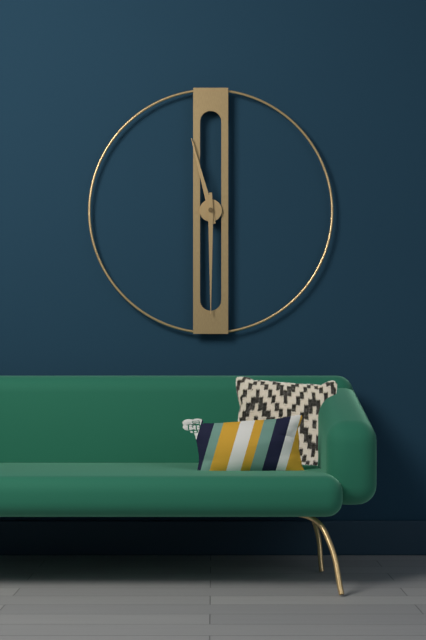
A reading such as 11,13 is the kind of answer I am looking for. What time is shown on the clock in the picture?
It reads 11,30
